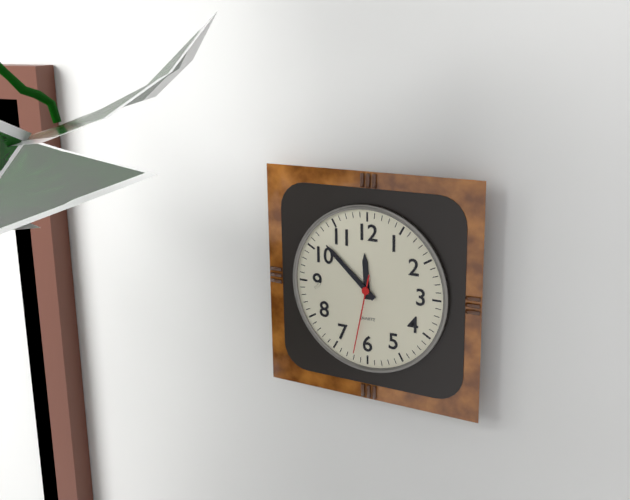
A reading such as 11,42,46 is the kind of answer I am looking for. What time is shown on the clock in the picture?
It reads 11,52,32
